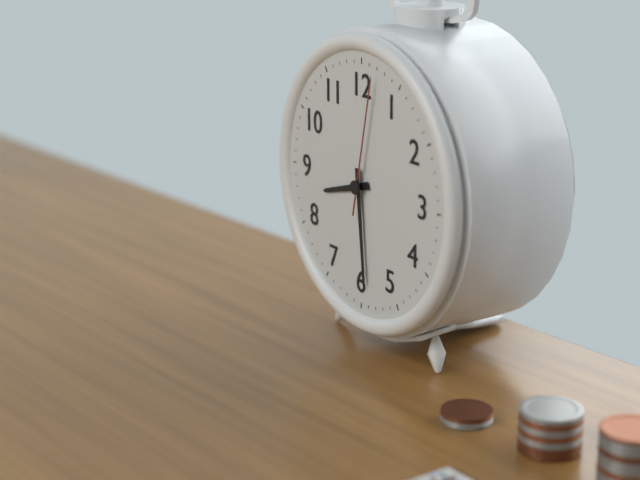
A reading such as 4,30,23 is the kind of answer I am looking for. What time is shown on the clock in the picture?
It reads 8,29,02
